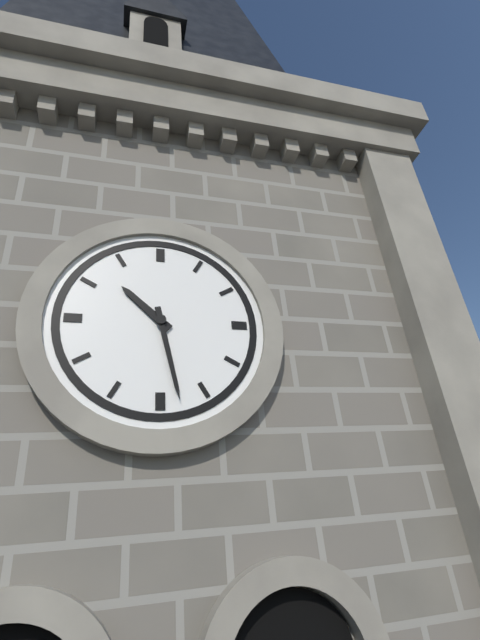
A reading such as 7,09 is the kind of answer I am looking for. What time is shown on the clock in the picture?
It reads 10,28
